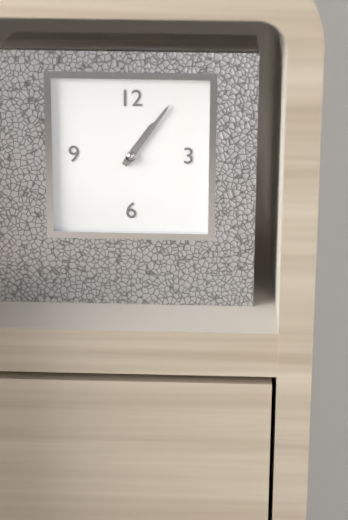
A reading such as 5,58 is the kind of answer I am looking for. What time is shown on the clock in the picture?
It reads 1,06
